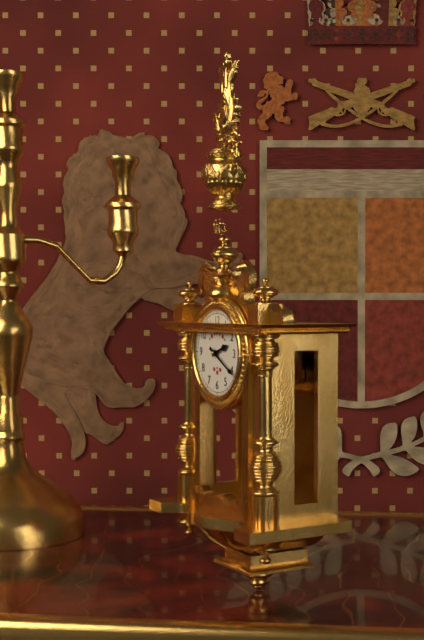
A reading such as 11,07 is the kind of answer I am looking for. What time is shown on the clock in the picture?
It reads 2,20
